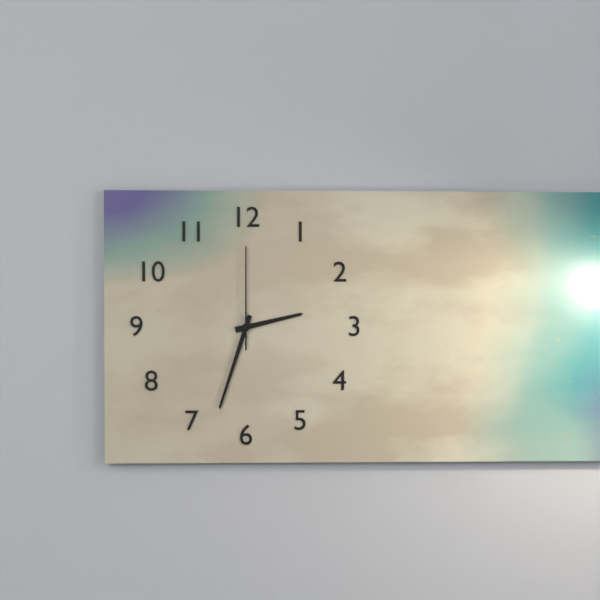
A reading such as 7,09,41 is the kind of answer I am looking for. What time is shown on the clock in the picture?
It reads 2,33,00
